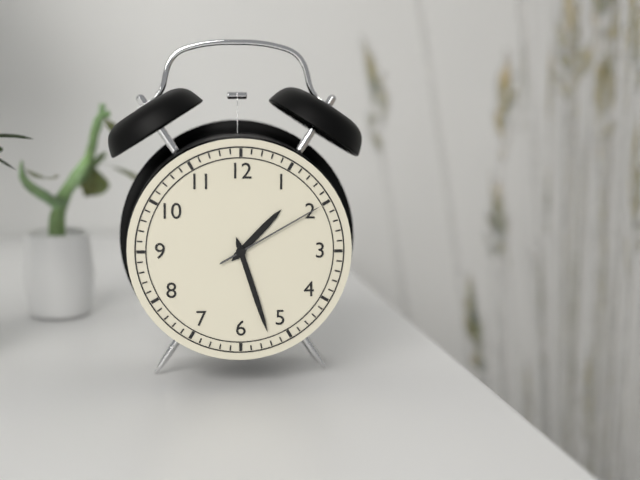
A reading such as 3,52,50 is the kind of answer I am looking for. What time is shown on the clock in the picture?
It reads 1,27,10
